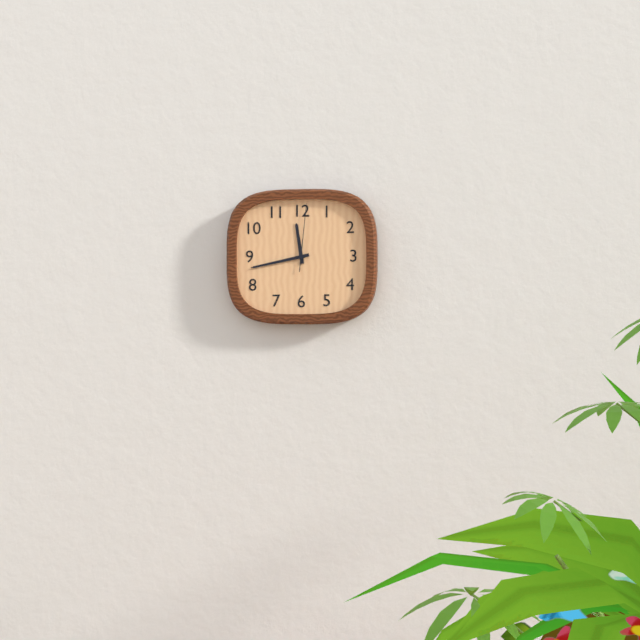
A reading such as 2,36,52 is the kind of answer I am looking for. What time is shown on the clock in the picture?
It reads 11,43,01
